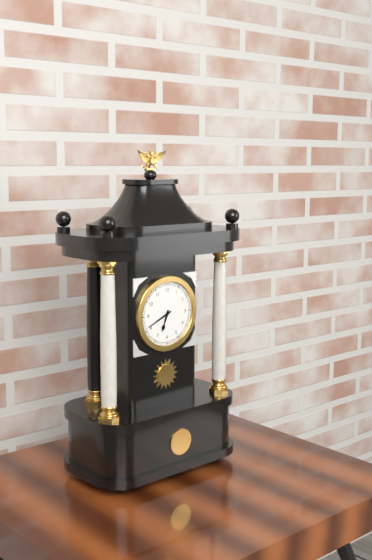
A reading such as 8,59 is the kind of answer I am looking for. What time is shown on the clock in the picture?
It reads 6,41
